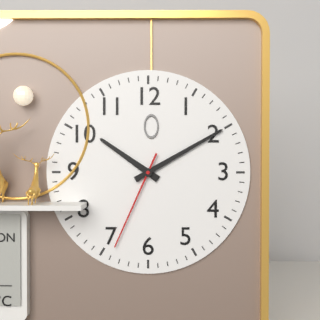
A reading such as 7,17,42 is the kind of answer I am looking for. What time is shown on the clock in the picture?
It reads 10,10,34
